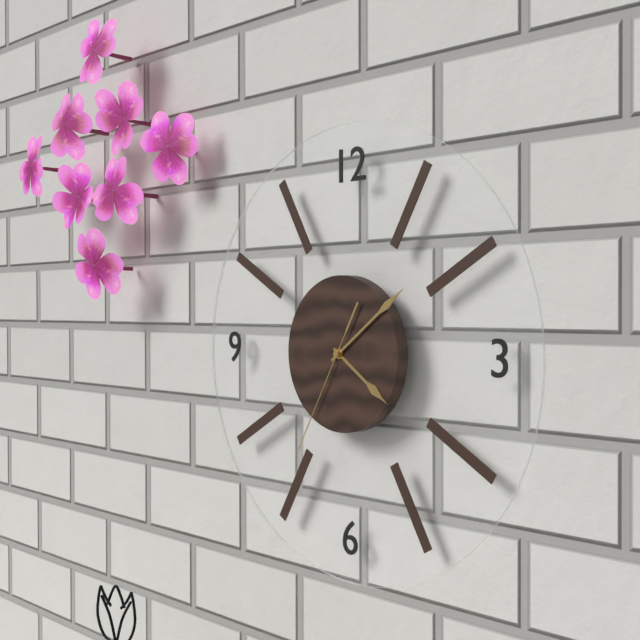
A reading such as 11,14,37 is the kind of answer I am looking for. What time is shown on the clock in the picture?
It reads 4,09,35
